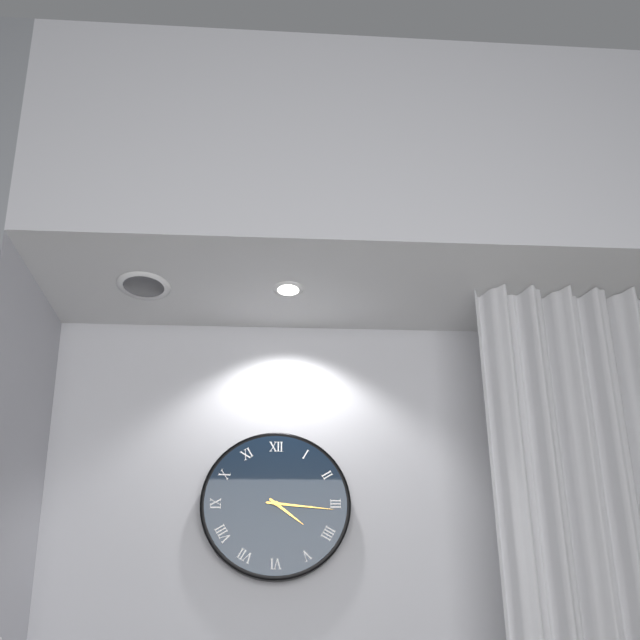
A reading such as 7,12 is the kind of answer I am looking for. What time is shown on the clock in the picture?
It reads 4,16
